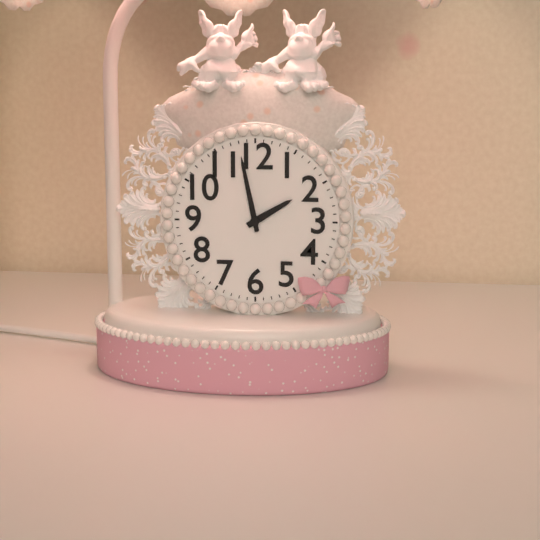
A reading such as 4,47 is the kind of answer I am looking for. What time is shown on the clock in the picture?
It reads 1,58
